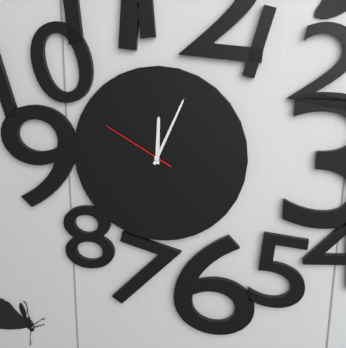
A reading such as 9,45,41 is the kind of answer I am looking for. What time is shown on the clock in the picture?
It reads 12,04,50
